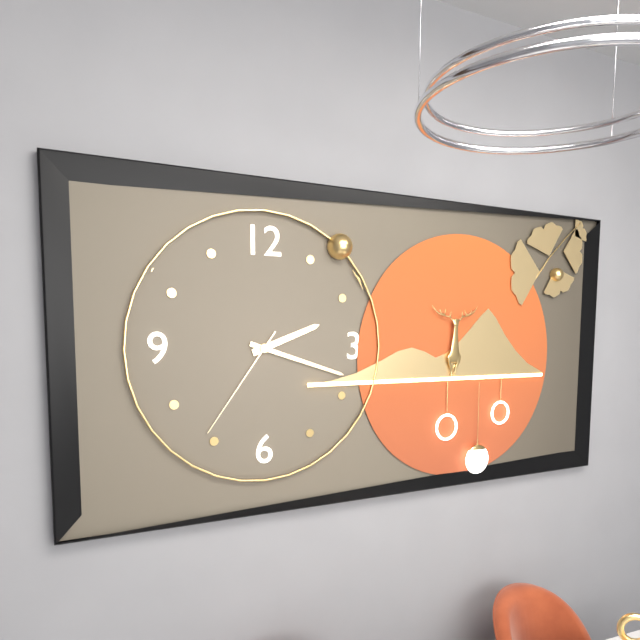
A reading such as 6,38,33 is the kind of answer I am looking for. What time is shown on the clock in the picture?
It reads 2,18,36
